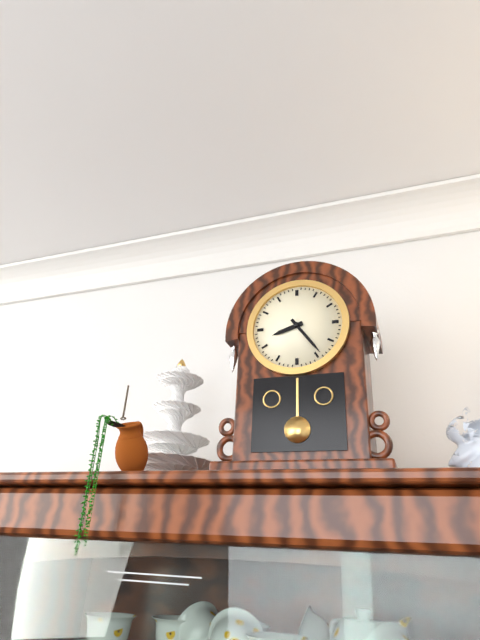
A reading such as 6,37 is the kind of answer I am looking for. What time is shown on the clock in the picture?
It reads 8,24
